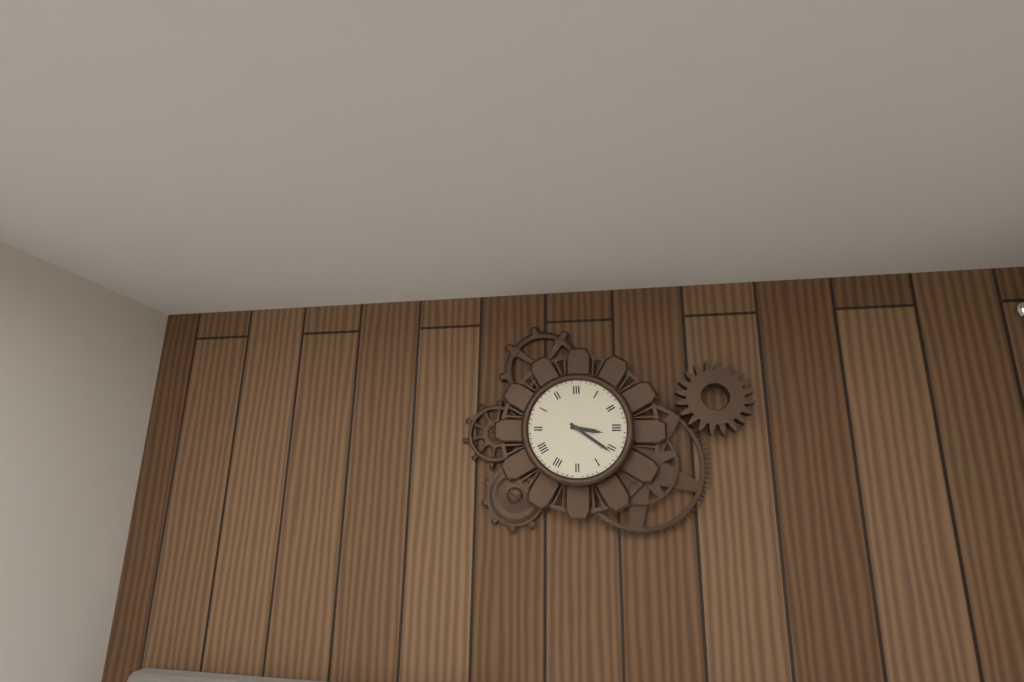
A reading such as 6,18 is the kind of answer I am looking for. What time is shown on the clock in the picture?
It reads 3,21
